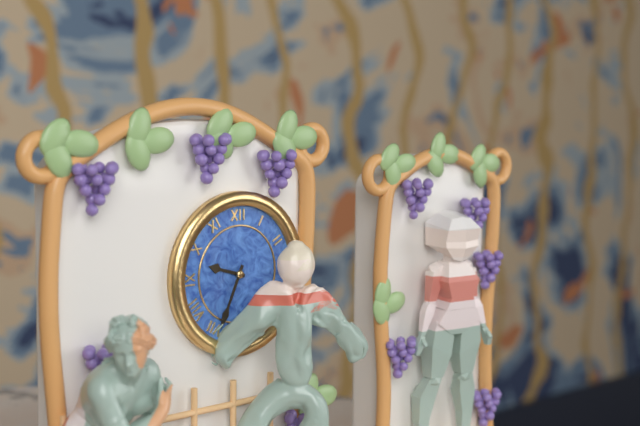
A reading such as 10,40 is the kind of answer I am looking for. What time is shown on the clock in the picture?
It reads 9,34
